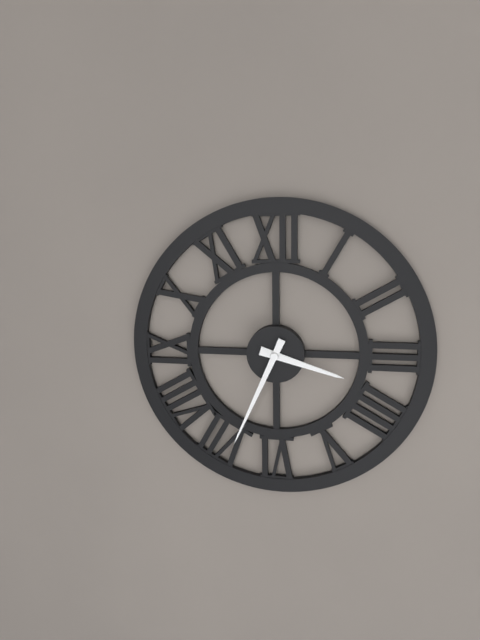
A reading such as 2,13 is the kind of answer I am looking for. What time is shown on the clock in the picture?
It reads 3,34
